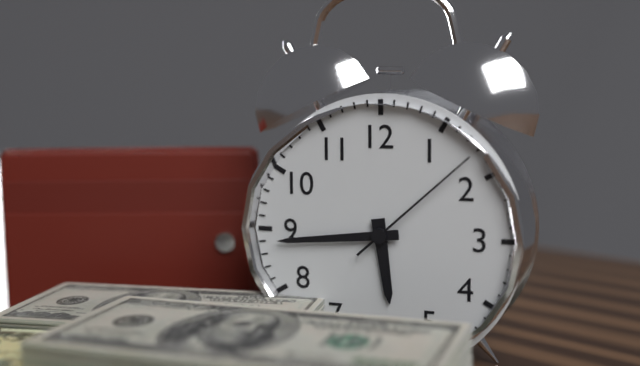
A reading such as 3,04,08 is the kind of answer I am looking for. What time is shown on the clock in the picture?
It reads 5,44,08
